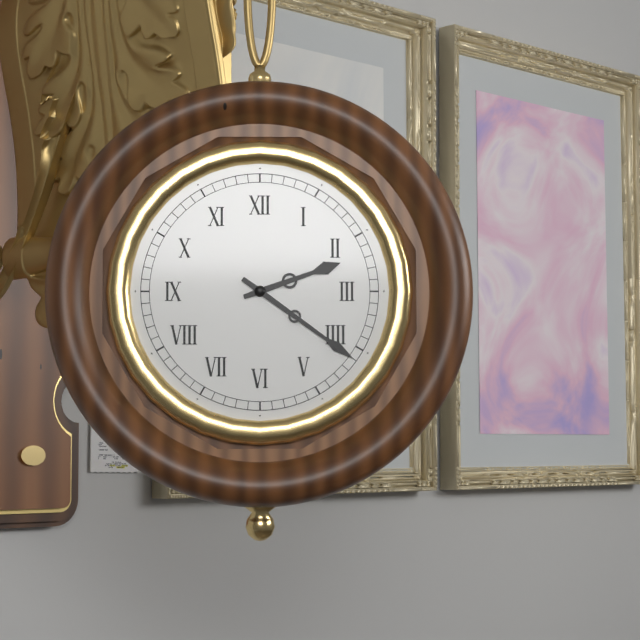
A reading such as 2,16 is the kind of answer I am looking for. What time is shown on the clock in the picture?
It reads 2,21
